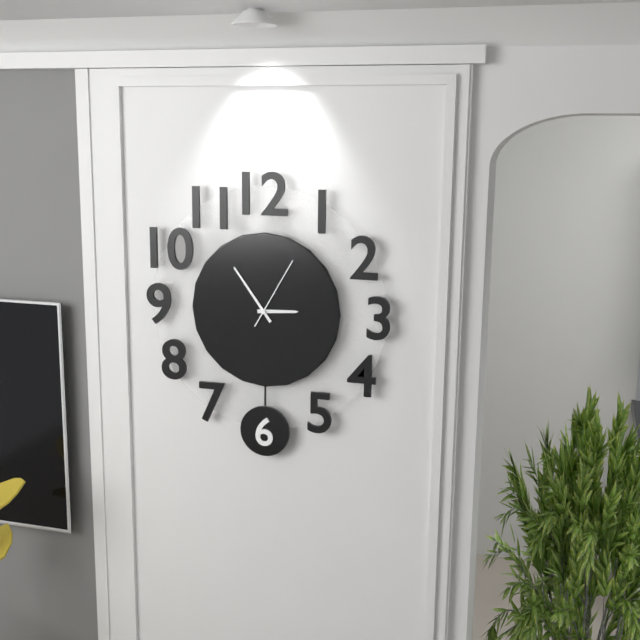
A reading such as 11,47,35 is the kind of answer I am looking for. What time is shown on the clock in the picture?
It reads 2,54,05
